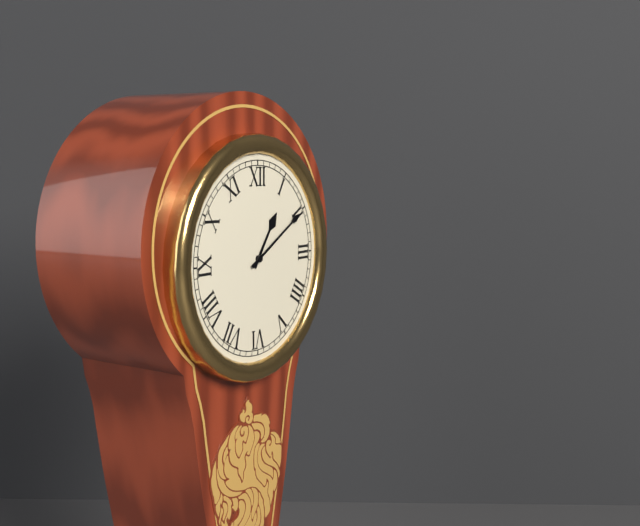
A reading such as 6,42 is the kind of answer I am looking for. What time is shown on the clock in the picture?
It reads 1,10
